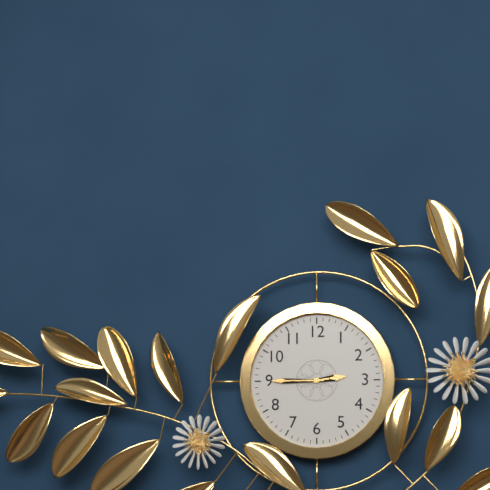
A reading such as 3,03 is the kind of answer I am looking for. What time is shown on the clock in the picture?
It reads 2,45
